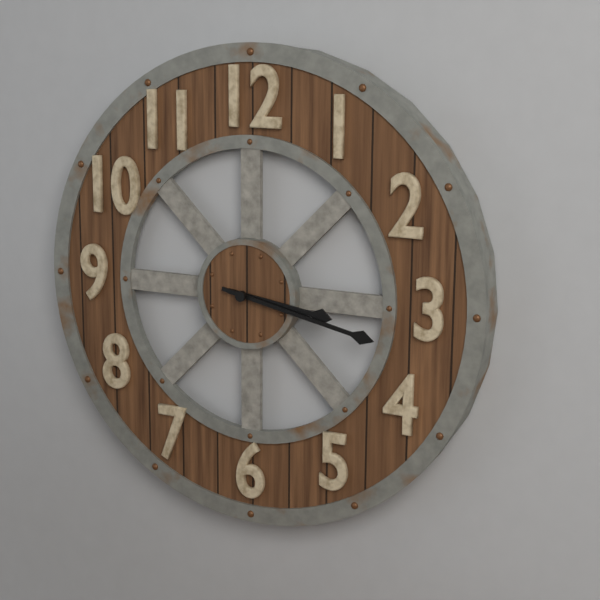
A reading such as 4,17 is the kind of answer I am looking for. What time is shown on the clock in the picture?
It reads 3,17
